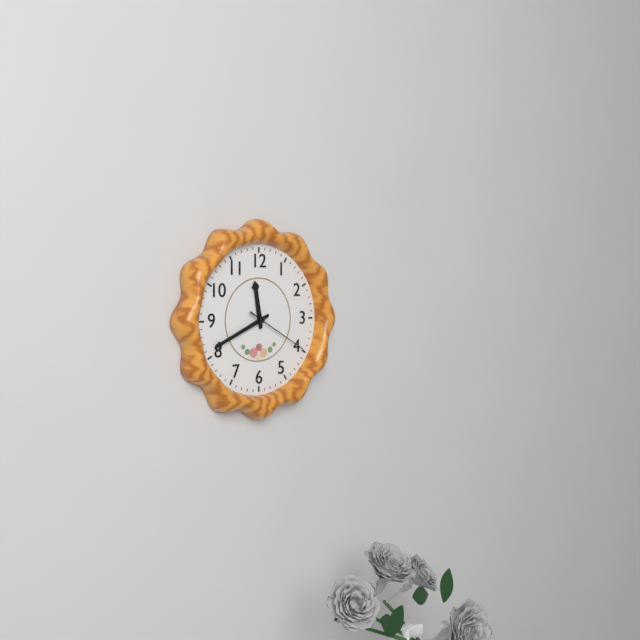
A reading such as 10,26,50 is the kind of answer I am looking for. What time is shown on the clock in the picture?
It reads 11,41,20
